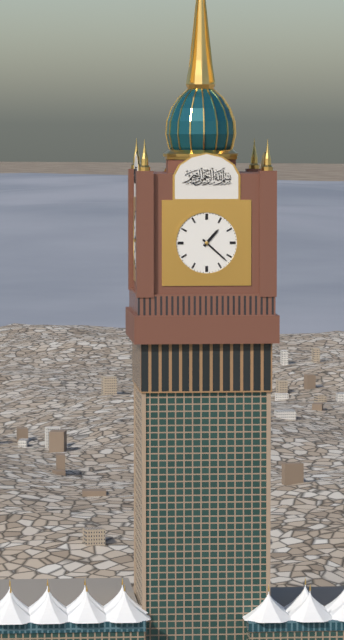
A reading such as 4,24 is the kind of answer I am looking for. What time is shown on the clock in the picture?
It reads 1,22
